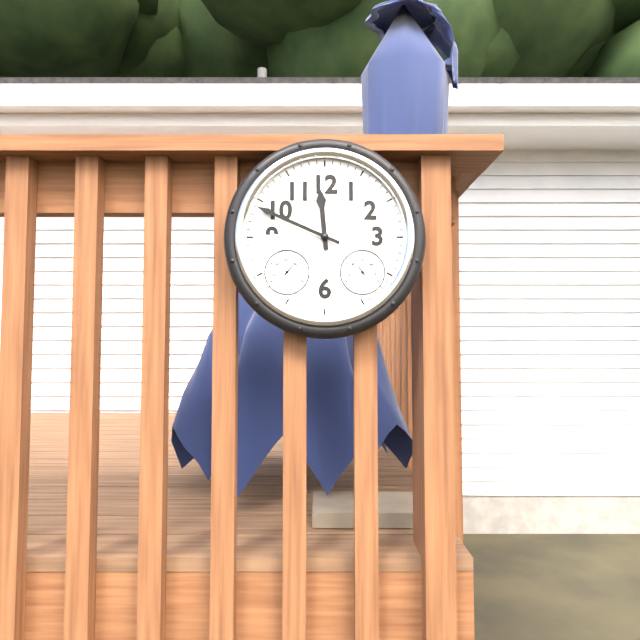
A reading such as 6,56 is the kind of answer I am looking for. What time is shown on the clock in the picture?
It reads 11,49
